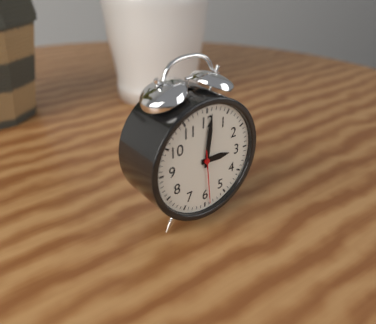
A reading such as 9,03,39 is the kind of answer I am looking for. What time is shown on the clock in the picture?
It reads 3,01,29
